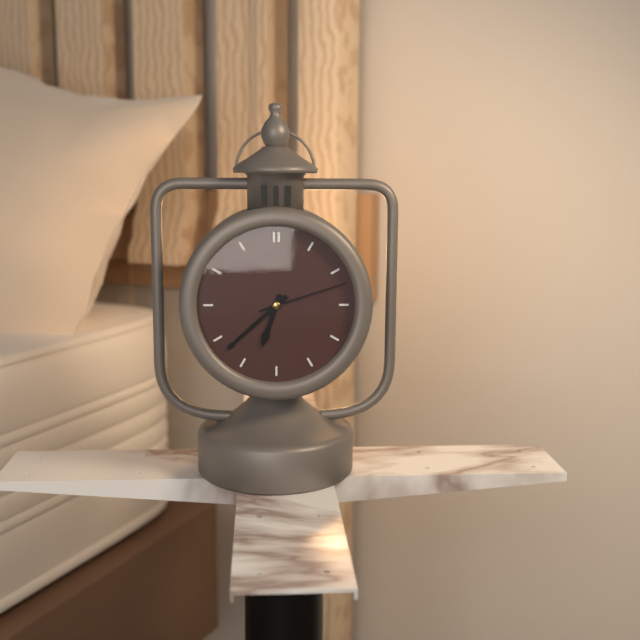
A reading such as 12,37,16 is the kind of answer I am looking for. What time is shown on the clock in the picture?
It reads 6,38,12
